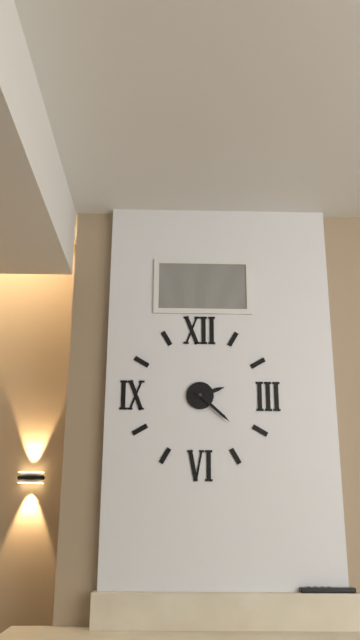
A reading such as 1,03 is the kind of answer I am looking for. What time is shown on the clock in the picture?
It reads 2,22
